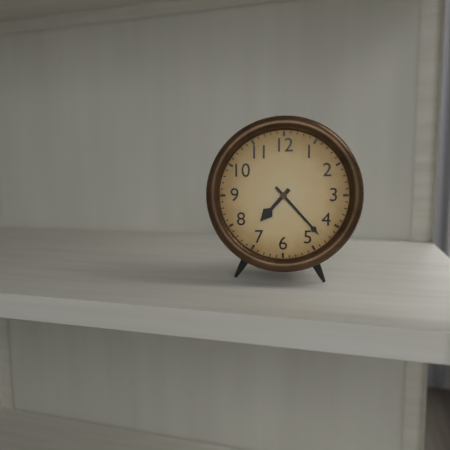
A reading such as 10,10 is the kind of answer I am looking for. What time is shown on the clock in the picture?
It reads 7,23
